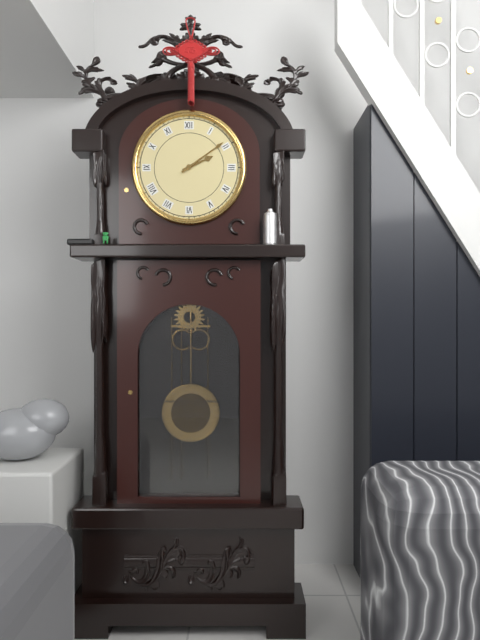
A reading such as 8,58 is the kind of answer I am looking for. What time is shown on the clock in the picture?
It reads 2,09
